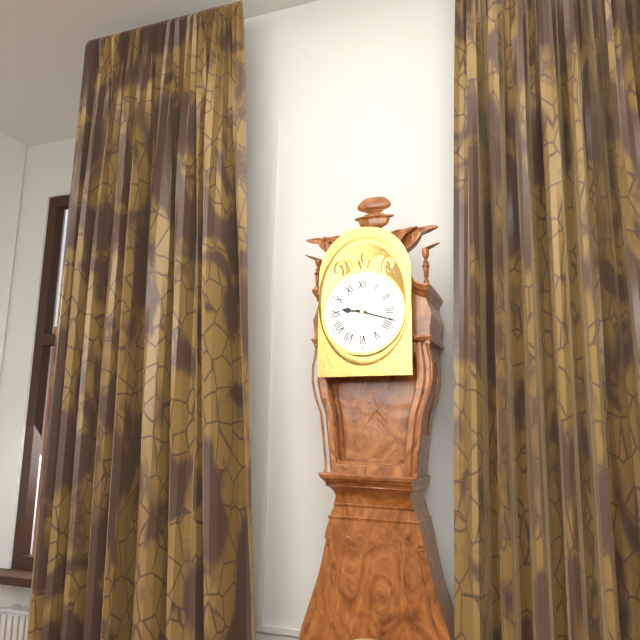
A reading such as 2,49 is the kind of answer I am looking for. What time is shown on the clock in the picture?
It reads 9,18
